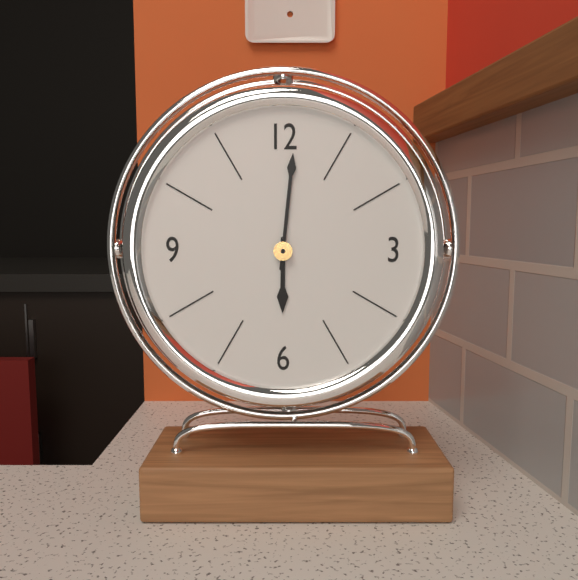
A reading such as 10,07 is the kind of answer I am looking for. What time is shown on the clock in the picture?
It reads 6,01
